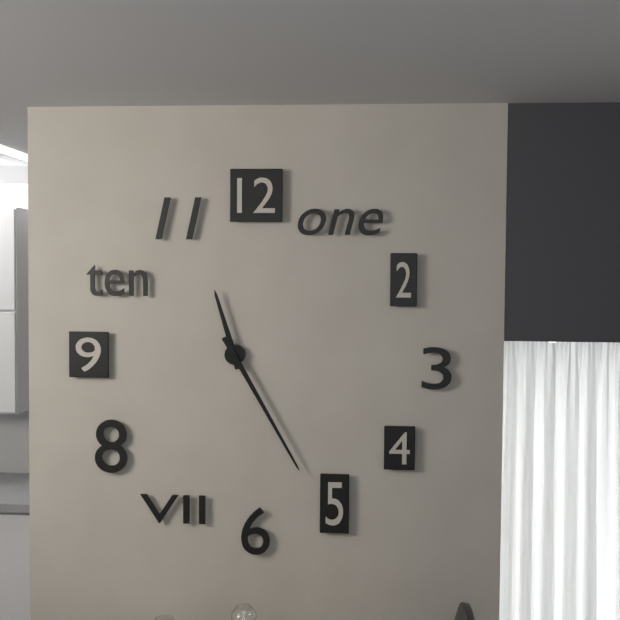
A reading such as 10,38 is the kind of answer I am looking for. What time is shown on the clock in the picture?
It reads 11,25
